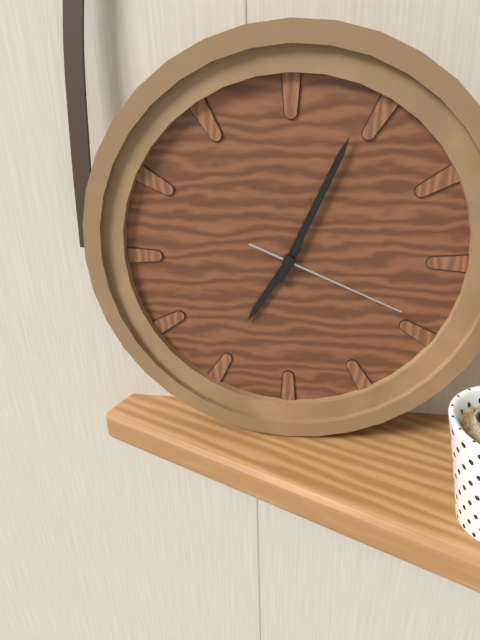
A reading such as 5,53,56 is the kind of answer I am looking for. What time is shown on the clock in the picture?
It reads 7,04,19
